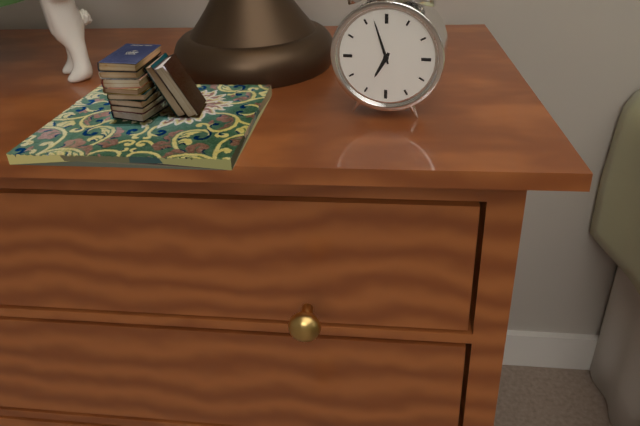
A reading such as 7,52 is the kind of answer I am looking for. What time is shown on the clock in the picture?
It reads 6,57
